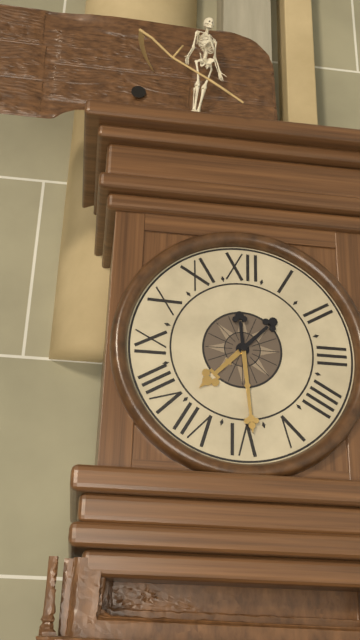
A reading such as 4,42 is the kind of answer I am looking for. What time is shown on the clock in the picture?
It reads 7,29
